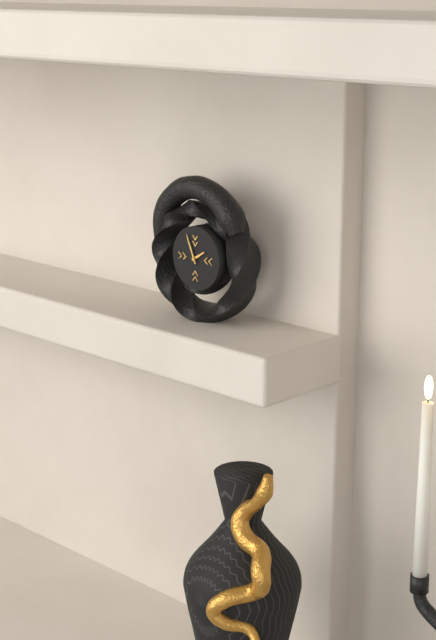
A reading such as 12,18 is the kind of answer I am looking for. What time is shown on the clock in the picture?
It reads 1,56
